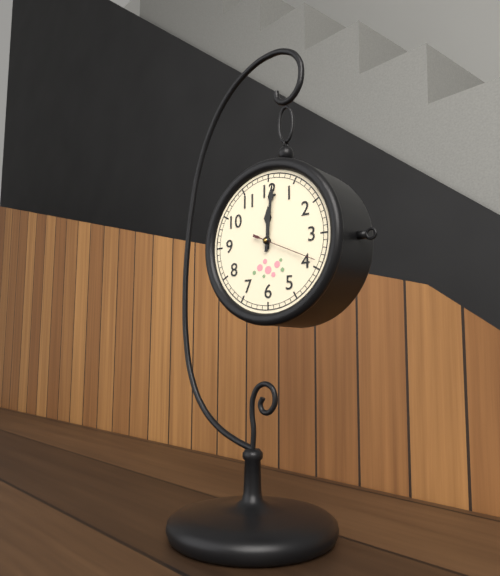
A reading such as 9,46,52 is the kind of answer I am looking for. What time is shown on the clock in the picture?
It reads 12,01,19
